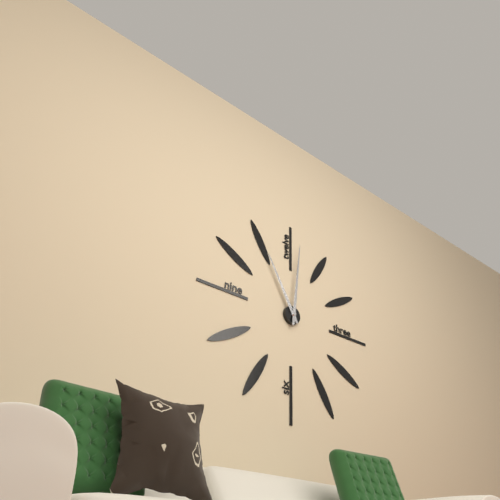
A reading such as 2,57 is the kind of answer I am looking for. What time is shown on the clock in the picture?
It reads 11,01
